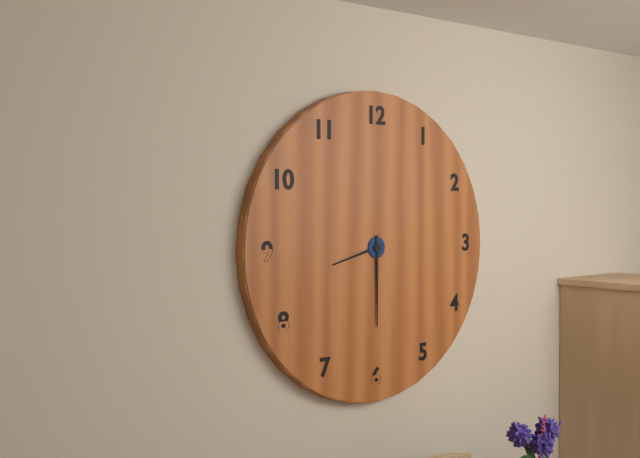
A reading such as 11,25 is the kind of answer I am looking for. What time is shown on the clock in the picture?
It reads 8,30
